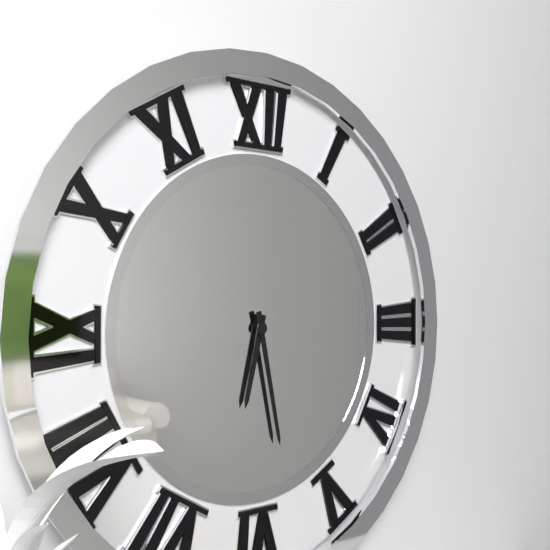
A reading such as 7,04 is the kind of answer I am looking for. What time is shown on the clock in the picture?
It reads 6,28
